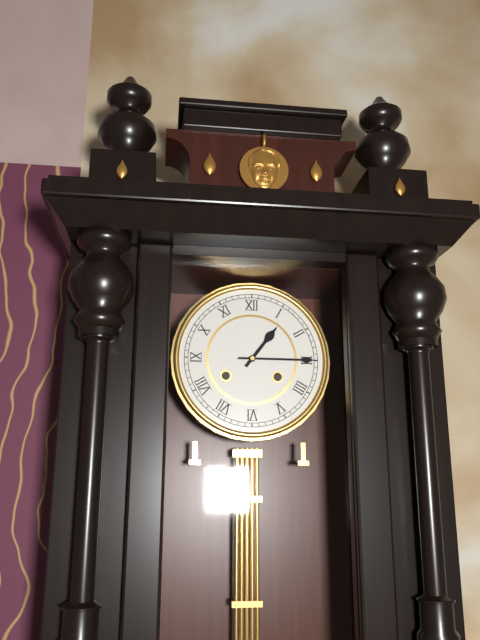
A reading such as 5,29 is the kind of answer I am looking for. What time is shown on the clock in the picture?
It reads 1,15
